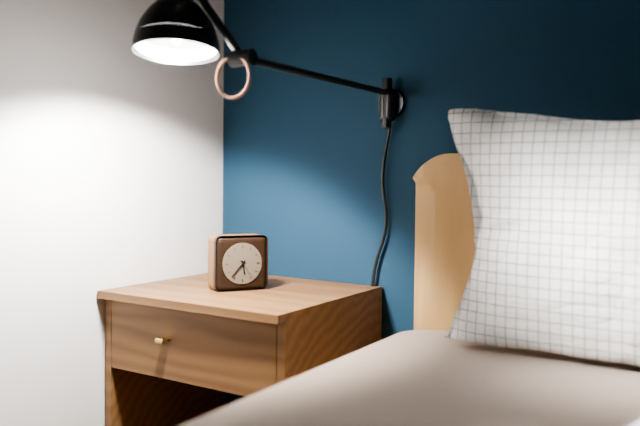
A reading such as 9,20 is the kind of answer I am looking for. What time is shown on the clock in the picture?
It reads 5,37
